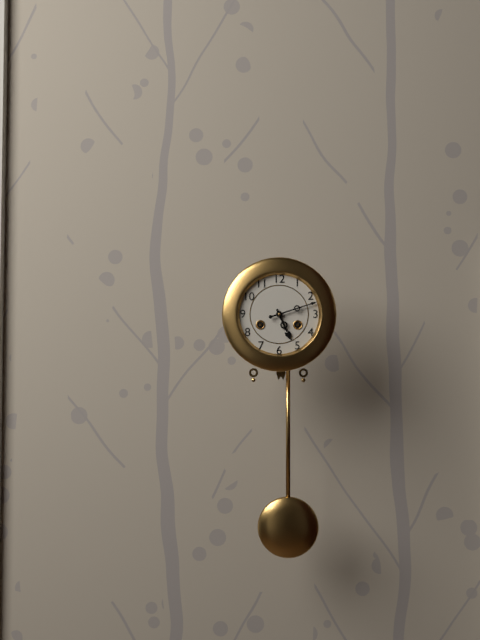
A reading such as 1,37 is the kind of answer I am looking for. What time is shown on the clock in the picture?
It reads 5,12
